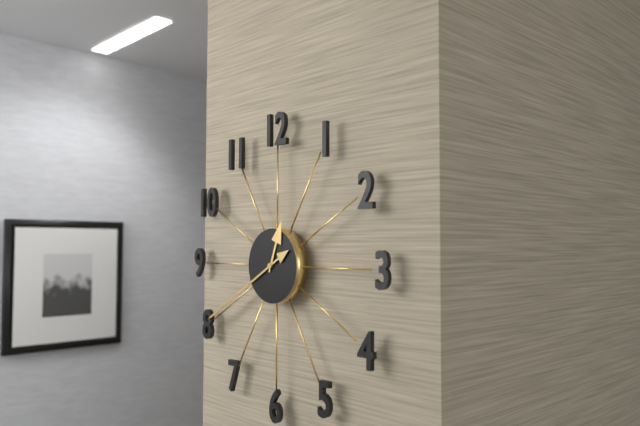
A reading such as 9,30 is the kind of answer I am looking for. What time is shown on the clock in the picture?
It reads 12,40
